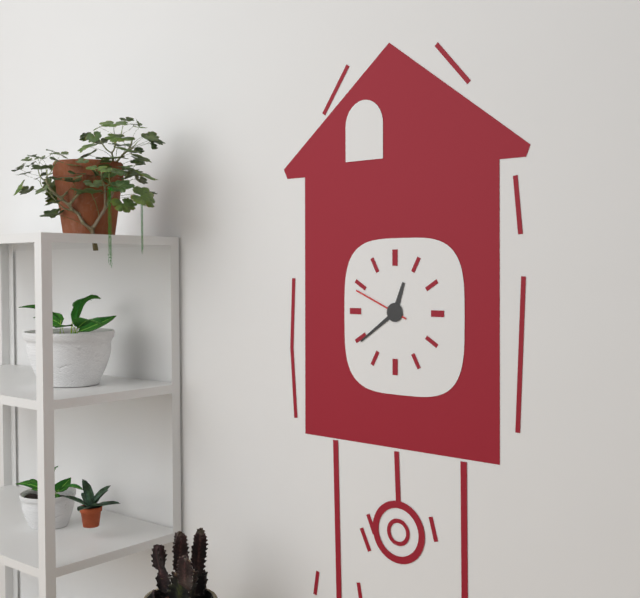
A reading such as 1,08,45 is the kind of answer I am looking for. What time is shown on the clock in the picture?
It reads 12,39,49
